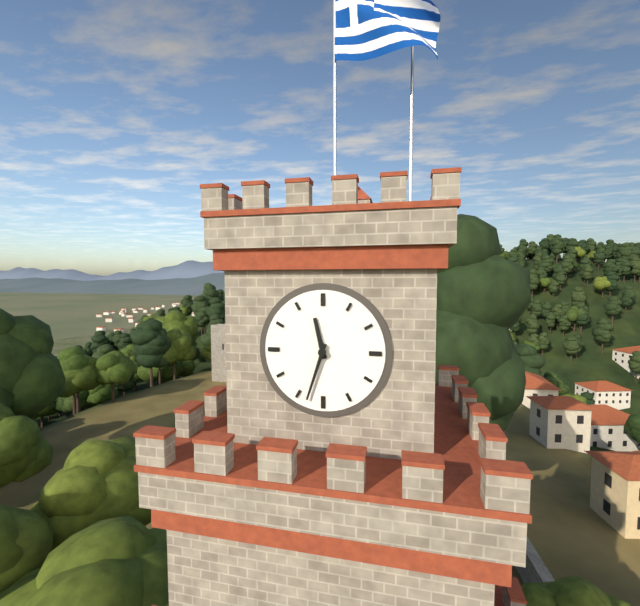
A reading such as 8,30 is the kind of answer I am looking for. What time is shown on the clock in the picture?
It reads 11,33
